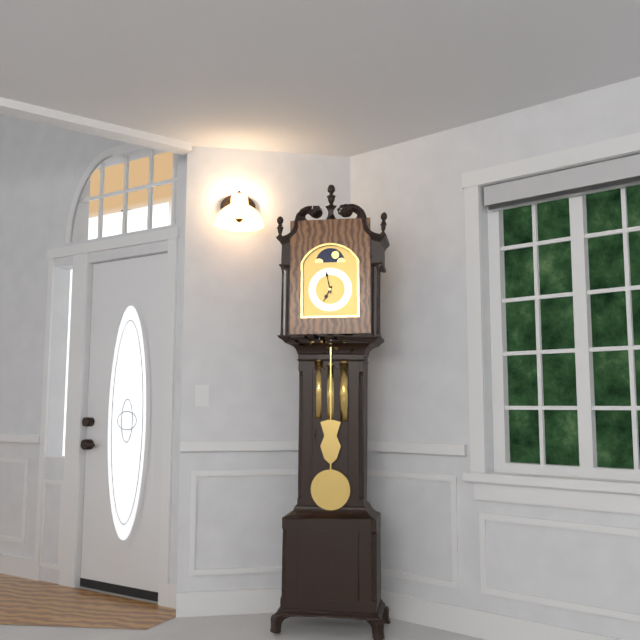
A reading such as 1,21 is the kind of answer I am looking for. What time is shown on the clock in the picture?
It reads 6,58
